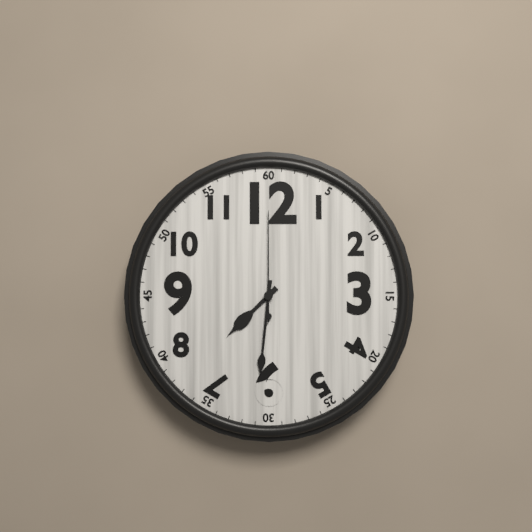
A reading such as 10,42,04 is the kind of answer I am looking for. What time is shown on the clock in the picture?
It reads 7,31,00
